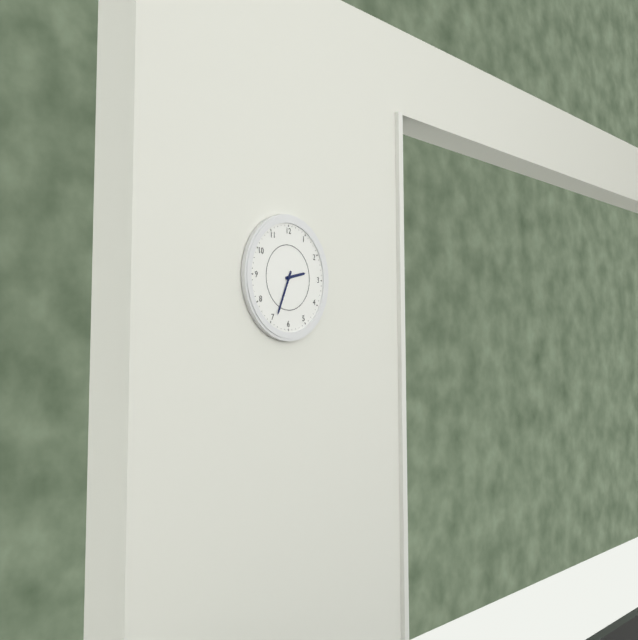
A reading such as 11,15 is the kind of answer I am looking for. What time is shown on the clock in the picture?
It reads 2,34
